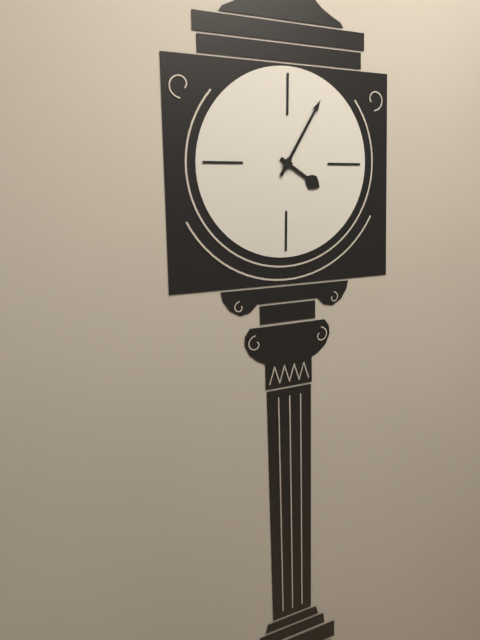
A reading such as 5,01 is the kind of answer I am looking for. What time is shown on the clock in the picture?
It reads 4,05
